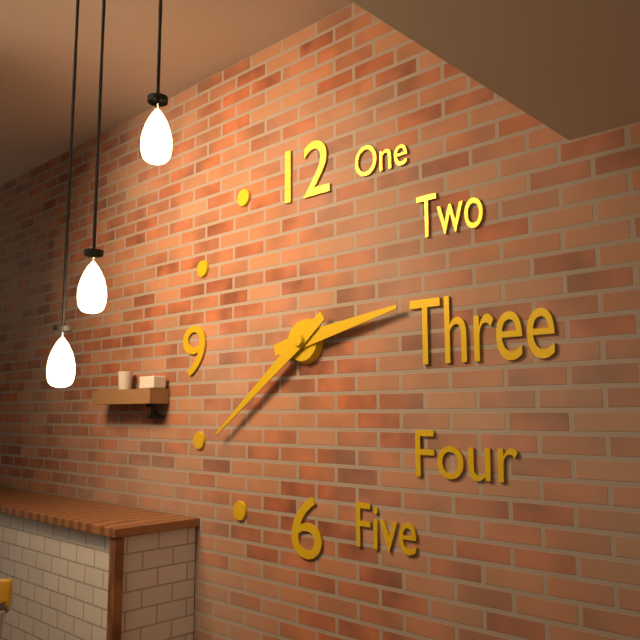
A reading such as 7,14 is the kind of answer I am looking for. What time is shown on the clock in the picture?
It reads 2,39
